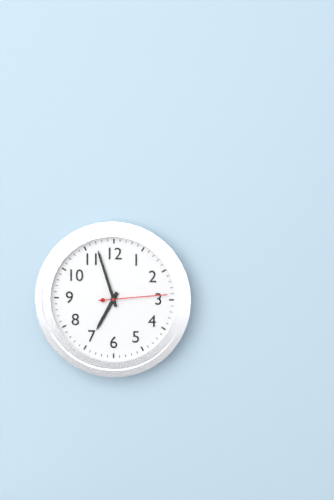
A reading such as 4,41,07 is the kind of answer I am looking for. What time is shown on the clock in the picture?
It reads 6,57,14
